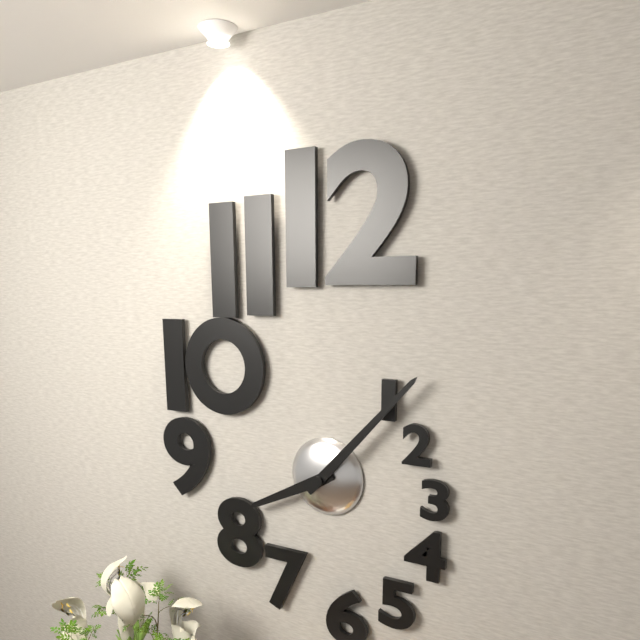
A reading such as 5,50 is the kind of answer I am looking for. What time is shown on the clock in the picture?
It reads 8,07
